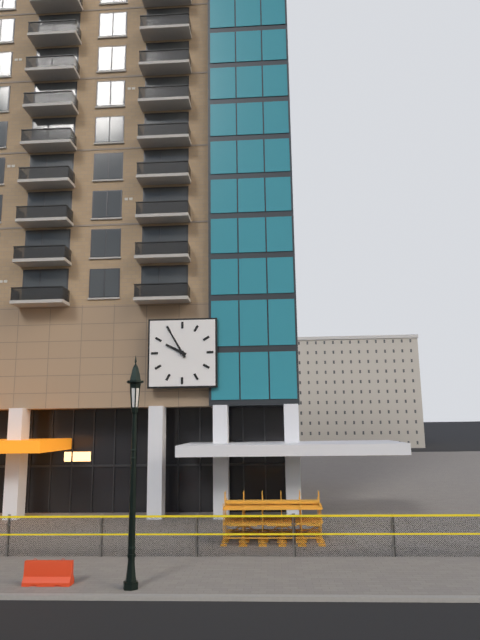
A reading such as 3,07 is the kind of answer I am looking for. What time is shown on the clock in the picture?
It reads 9,55
